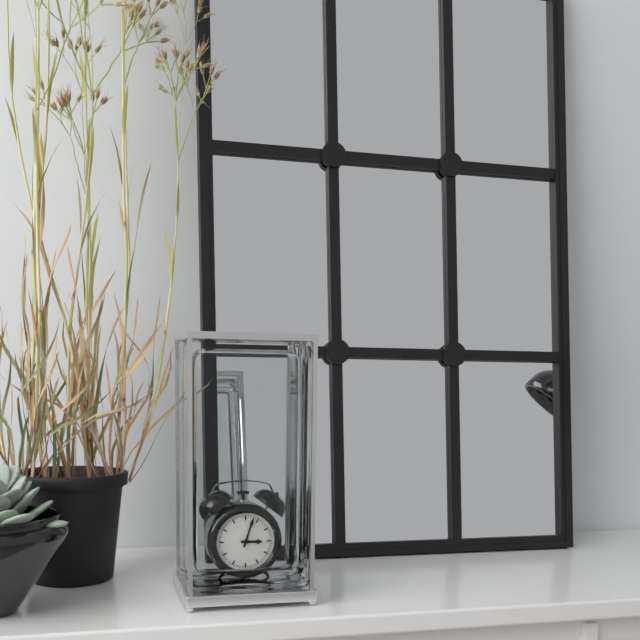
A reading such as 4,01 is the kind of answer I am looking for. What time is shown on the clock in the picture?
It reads 3,03
